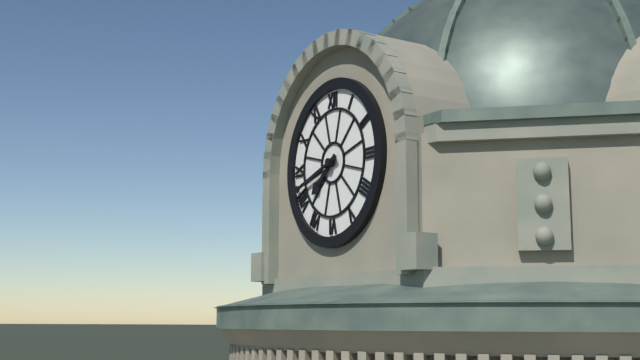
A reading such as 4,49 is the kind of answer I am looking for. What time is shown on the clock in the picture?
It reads 7,42
